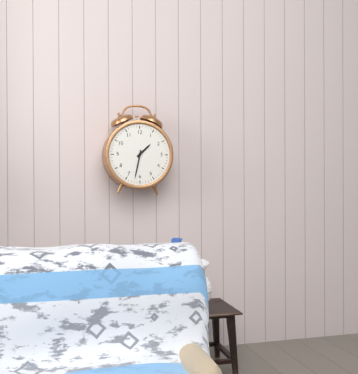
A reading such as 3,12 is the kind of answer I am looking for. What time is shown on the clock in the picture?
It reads 1,32
